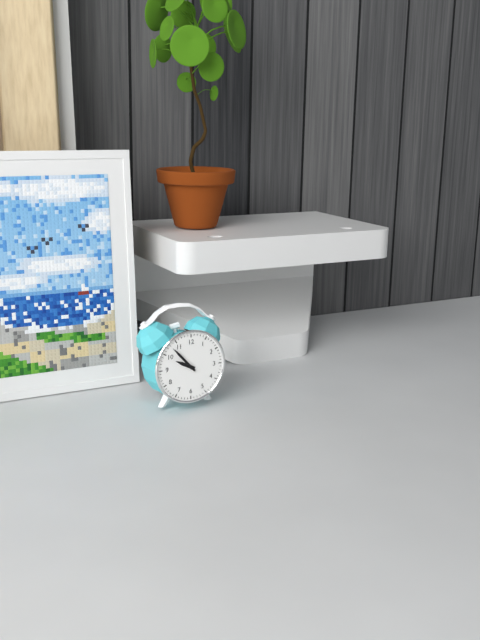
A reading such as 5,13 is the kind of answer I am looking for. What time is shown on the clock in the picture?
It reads 9,53
